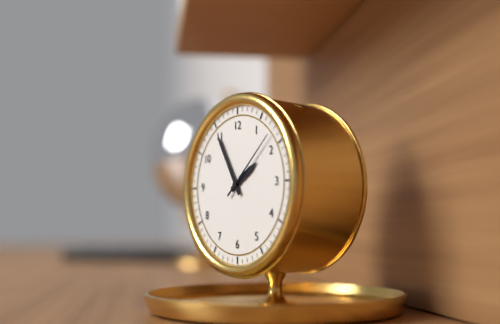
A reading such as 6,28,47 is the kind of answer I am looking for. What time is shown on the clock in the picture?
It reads 1,55,08
